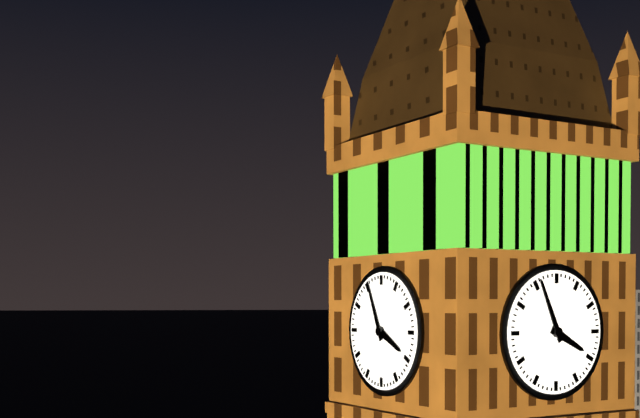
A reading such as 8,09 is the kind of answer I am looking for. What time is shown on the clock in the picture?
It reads 3,56
